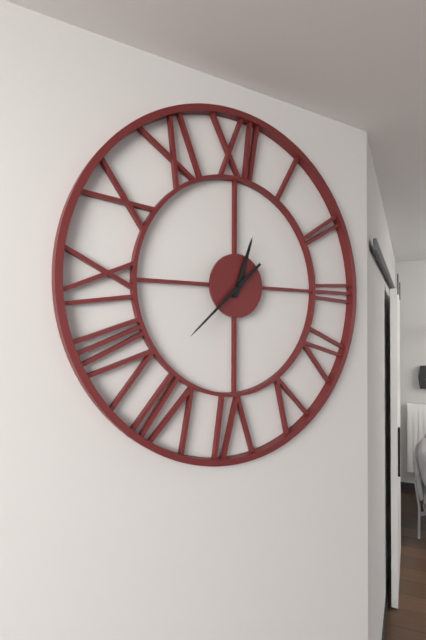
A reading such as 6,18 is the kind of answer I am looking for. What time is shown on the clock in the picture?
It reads 12,38
